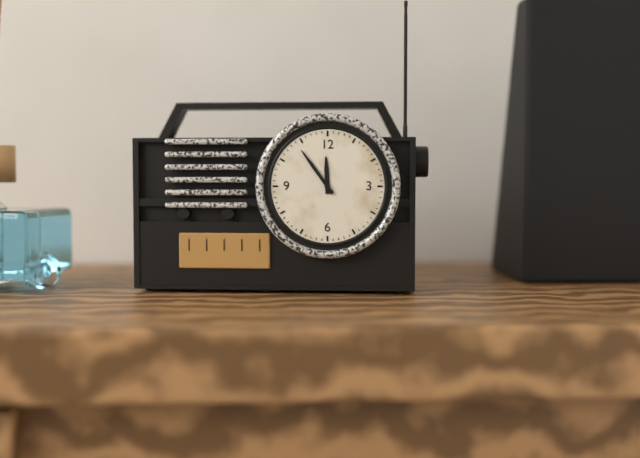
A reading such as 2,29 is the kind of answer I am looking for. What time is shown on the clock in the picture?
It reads 11,54
